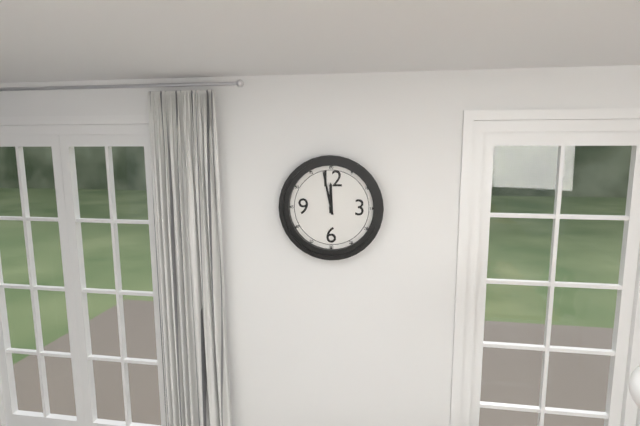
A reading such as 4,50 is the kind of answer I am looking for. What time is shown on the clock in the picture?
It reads 11,58
